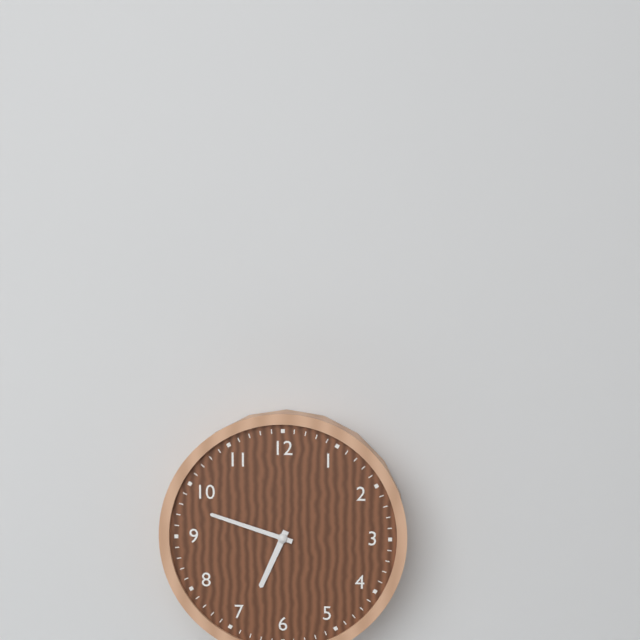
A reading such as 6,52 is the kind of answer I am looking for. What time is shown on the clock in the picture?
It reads 6,48
